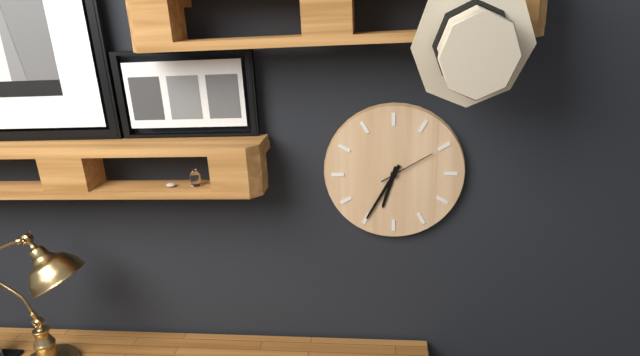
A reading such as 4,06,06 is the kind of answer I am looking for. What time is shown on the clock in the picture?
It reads 6,35,10
